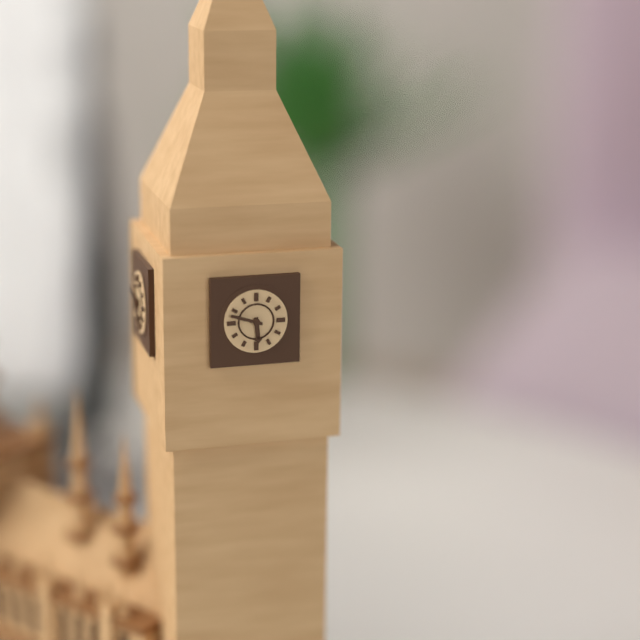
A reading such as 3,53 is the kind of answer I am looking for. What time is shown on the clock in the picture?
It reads 5,48
